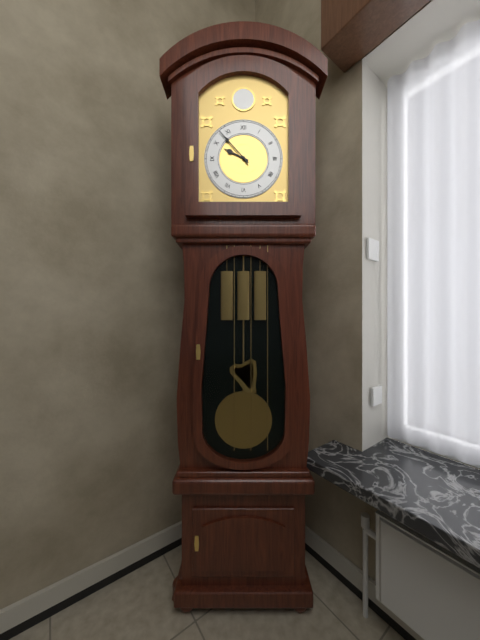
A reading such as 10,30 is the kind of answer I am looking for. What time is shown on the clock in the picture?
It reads 9,53
